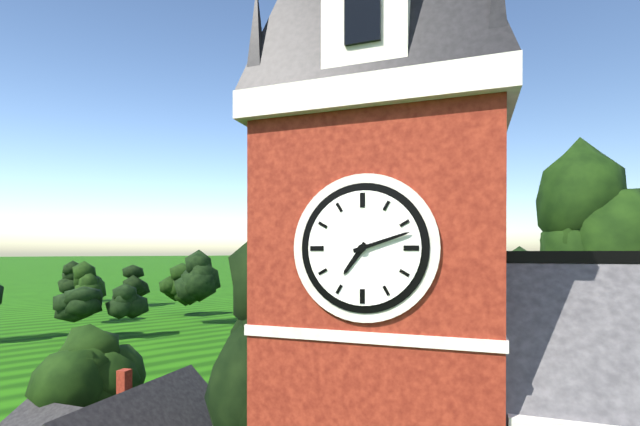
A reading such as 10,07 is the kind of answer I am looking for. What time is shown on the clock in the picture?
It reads 7,12
